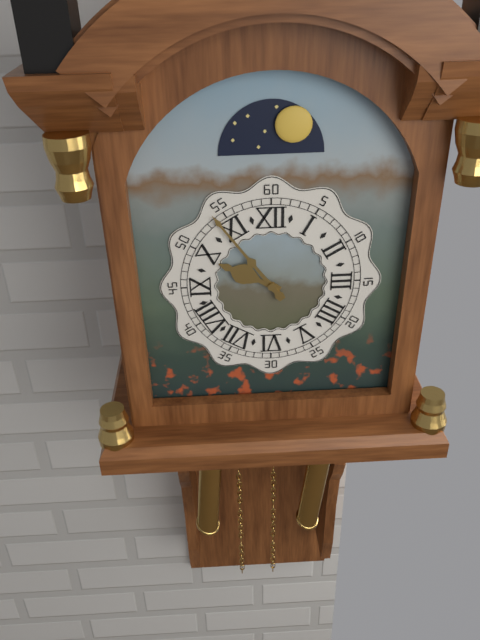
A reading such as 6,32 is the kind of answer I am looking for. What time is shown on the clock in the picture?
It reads 9,54
